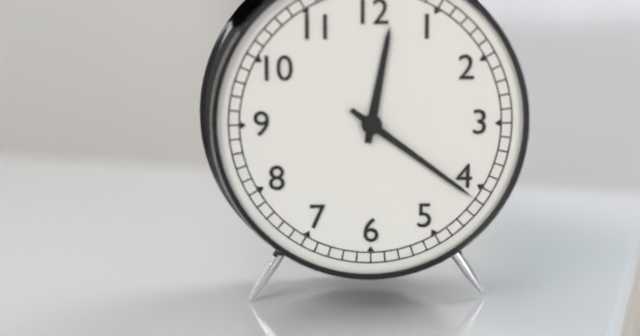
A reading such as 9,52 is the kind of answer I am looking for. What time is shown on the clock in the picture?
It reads 12,21
